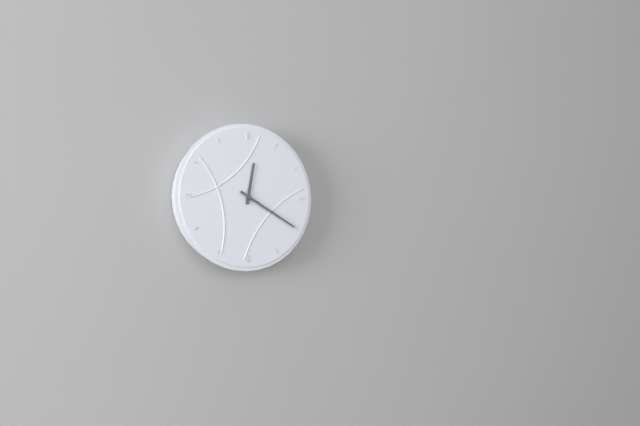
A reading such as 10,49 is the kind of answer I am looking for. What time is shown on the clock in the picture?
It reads 12,20
